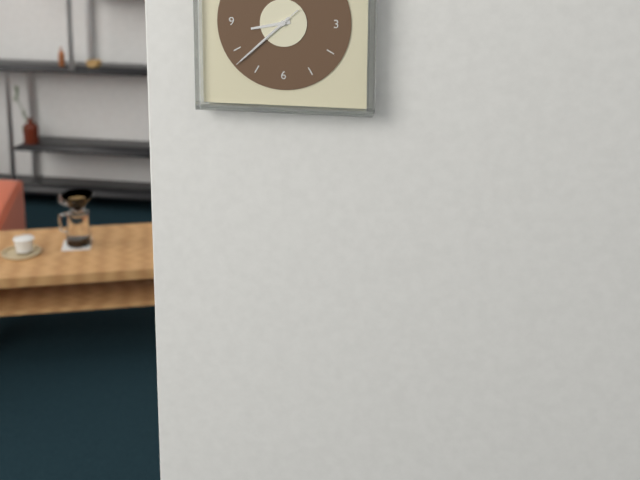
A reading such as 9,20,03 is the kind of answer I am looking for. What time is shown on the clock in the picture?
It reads 8,38,38
